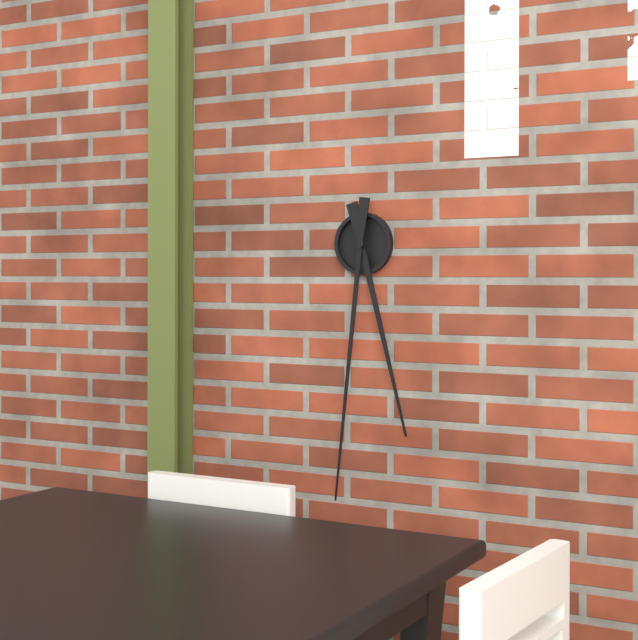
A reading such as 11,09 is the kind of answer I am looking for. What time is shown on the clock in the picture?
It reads 5,31
